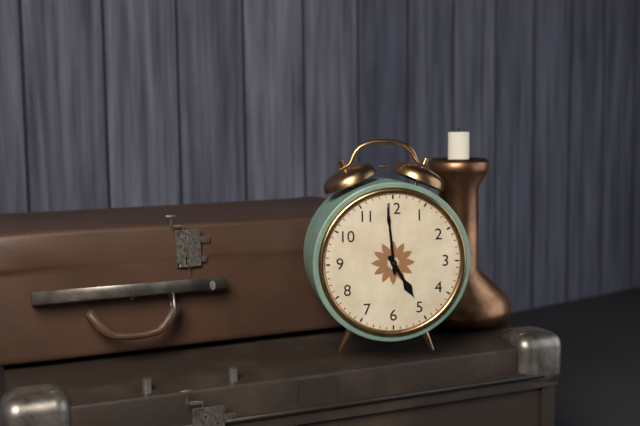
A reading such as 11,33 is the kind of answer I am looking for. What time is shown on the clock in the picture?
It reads 4,59
